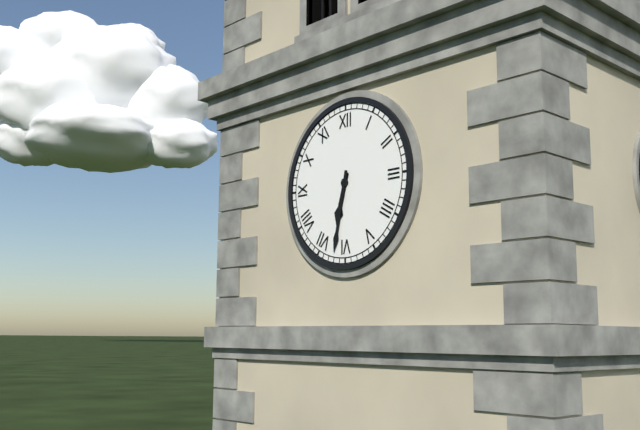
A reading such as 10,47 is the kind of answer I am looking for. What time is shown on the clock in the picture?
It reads 6,32
